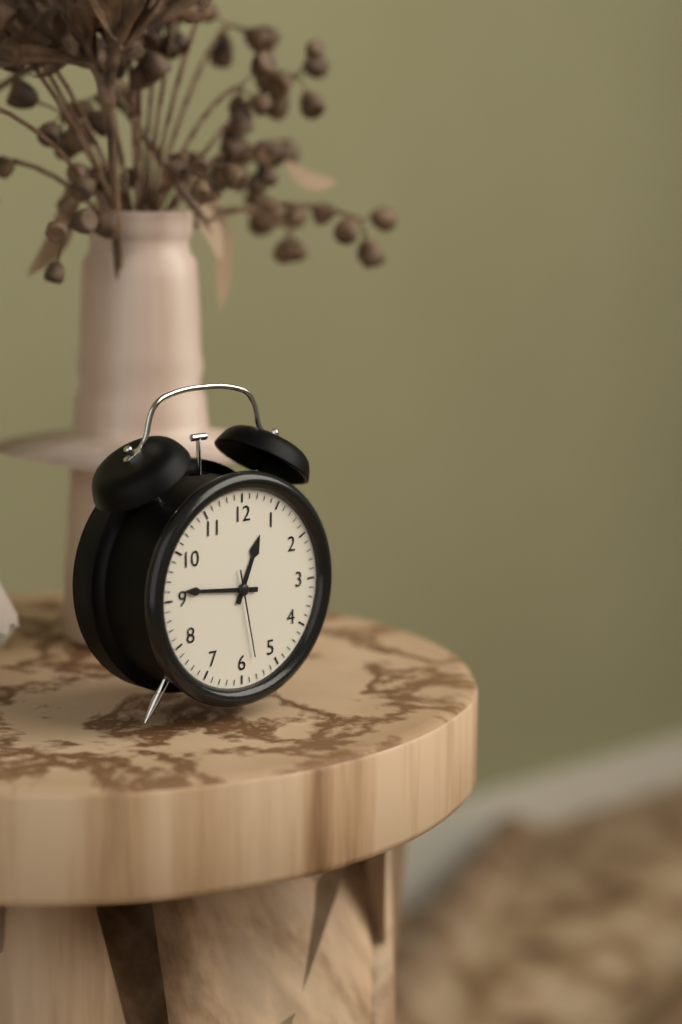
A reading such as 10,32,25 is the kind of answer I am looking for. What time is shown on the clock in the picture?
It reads 12,46,28
